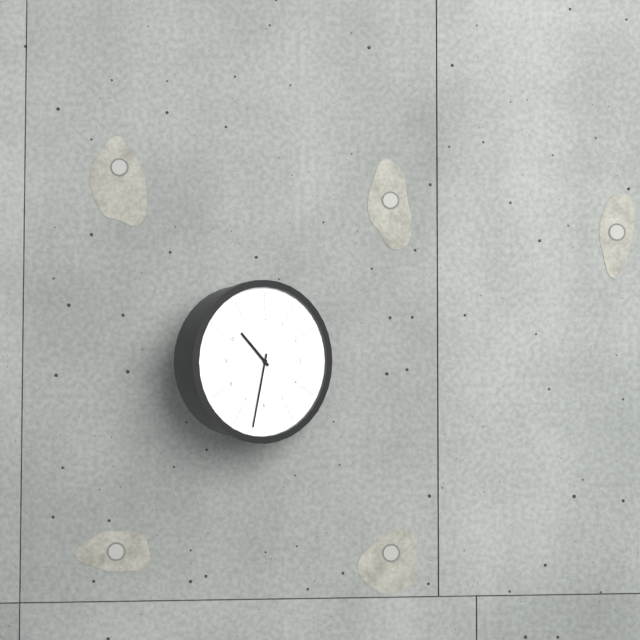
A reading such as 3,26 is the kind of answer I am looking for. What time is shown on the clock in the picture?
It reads 10,32
